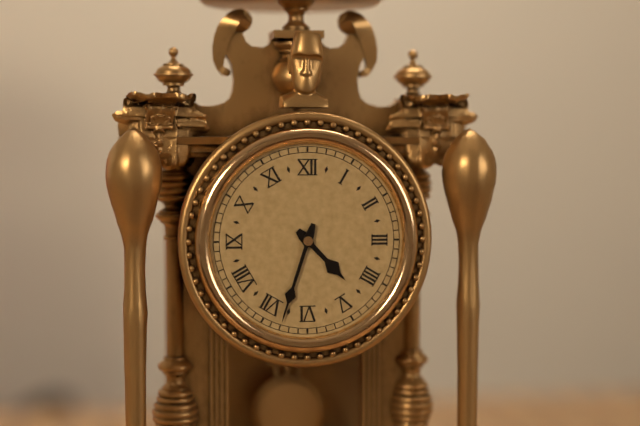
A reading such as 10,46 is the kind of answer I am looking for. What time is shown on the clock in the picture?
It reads 4,33
